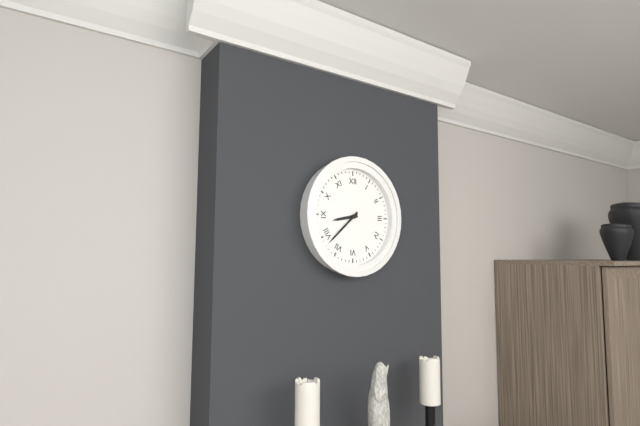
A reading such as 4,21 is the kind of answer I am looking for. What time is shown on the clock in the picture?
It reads 8,38
